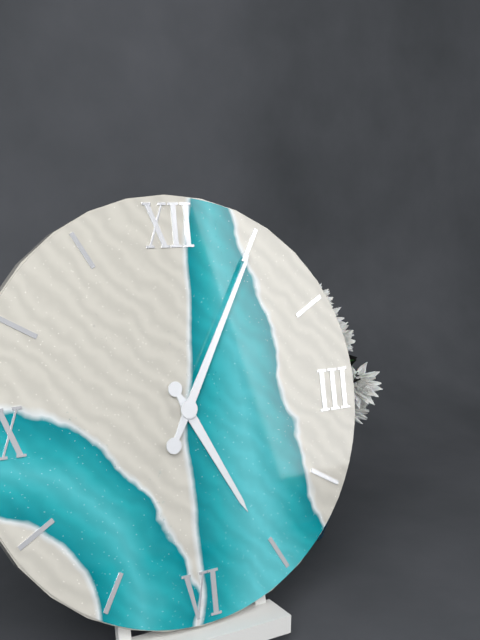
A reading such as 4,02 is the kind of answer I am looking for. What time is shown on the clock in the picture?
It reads 5,05
